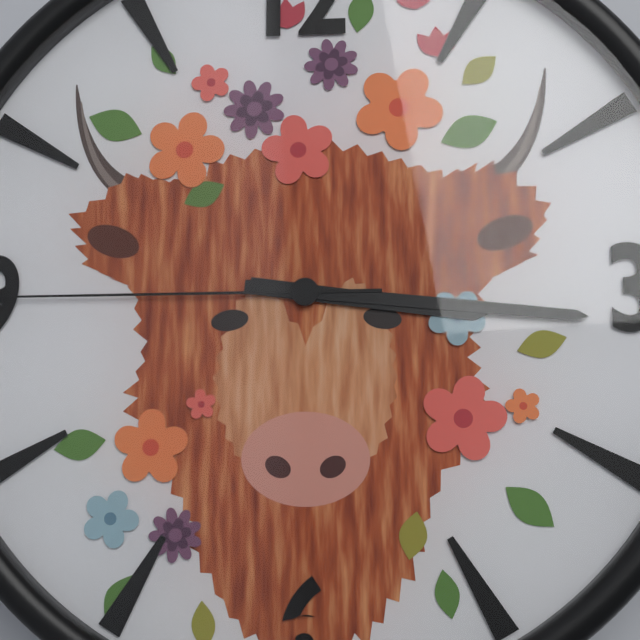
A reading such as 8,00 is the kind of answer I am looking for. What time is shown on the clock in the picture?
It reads 3,16
